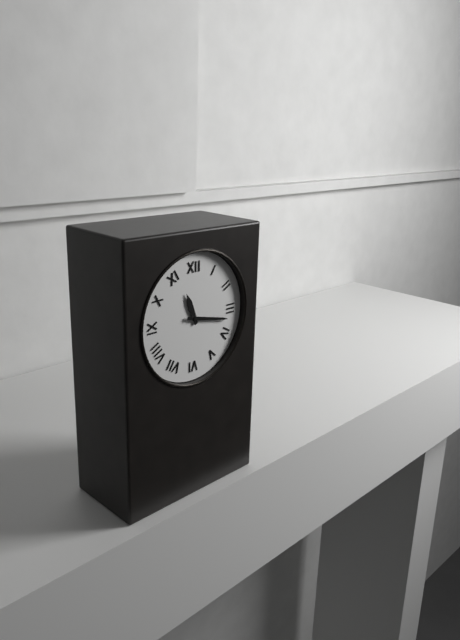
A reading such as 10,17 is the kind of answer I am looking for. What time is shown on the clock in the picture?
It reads 11,17
